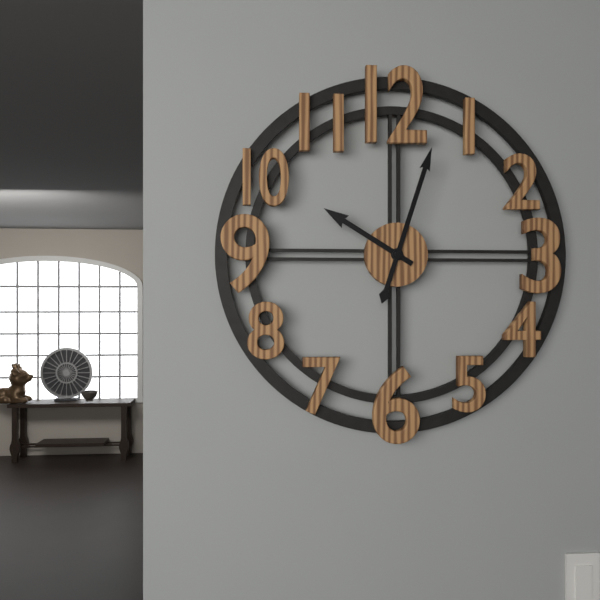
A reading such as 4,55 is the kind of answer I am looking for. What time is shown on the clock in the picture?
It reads 10,03
